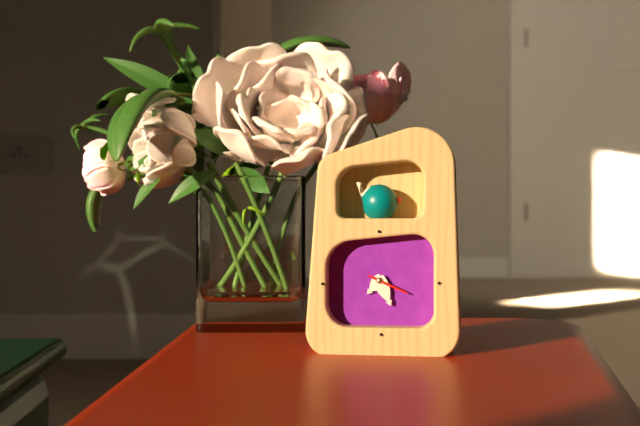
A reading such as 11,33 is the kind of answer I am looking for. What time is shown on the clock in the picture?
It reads 7,26
